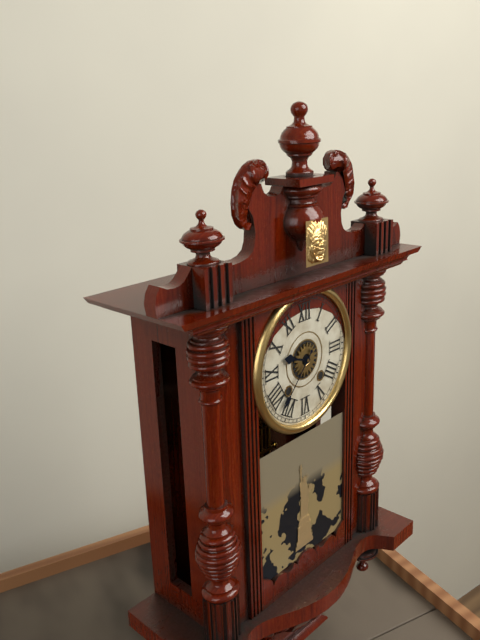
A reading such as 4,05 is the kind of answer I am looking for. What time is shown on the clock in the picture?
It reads 9,37
